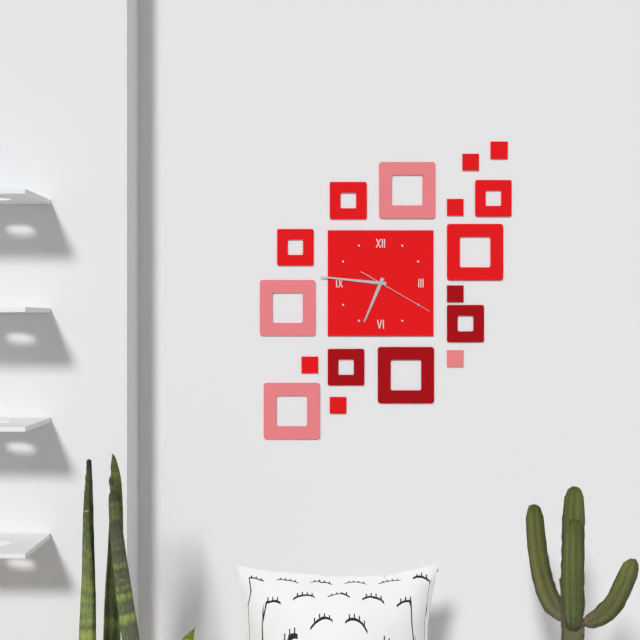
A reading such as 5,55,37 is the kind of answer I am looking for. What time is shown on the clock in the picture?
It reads 6,46,20
